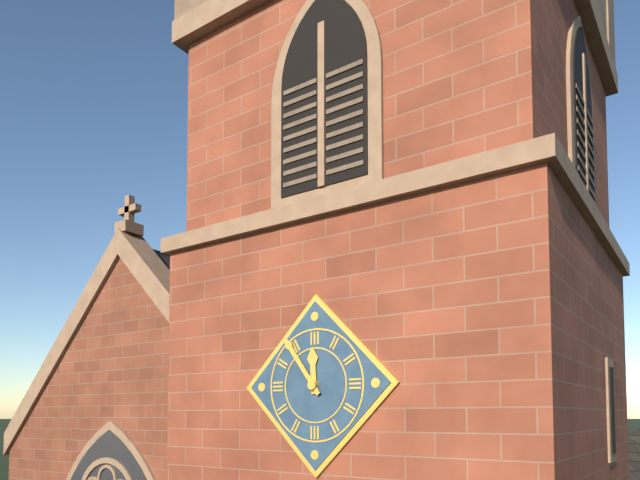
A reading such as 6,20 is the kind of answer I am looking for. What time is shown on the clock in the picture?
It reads 11,54
